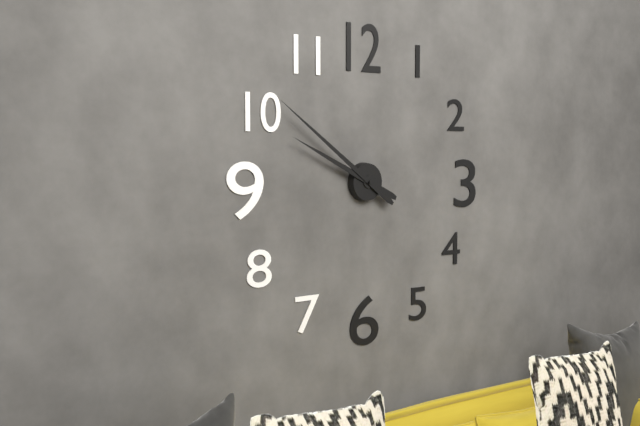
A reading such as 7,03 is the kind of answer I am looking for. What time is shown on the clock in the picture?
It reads 9,51
